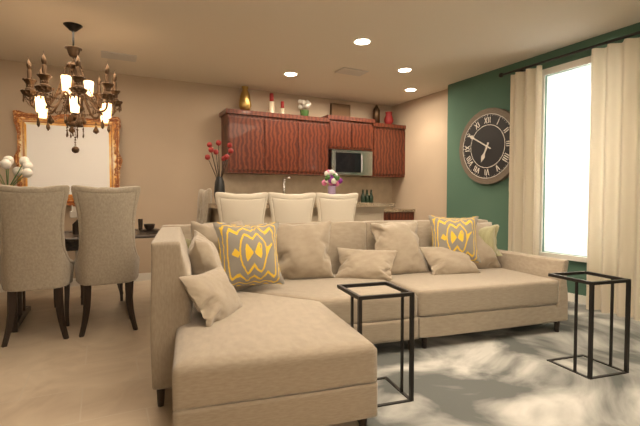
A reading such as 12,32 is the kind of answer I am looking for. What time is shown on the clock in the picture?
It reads 6,50
